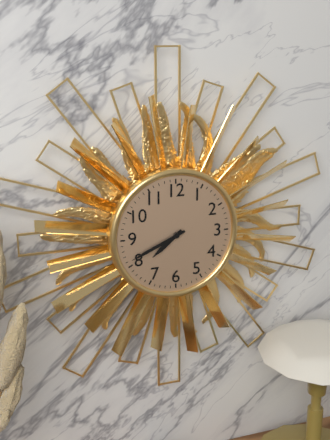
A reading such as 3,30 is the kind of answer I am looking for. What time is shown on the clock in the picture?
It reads 7,41
